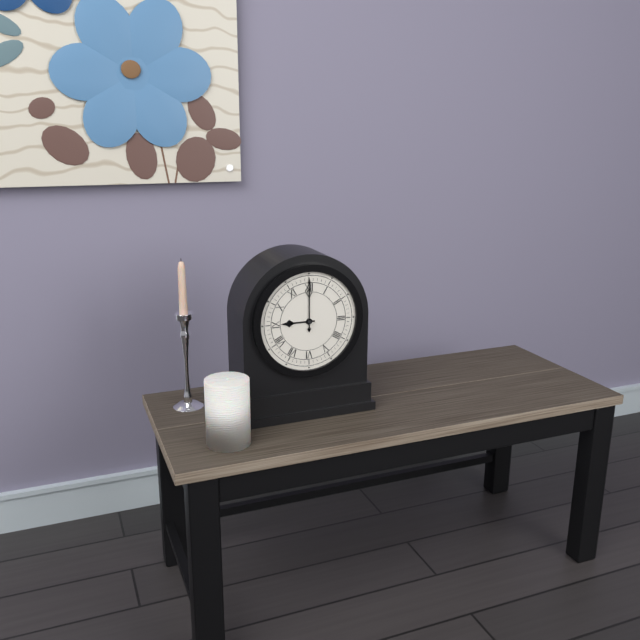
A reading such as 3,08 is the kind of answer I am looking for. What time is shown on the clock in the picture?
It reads 9,00
